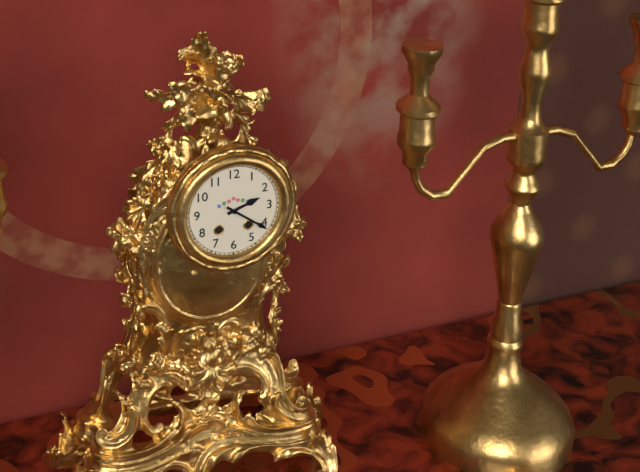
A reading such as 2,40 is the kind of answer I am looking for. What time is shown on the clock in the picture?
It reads 2,21
